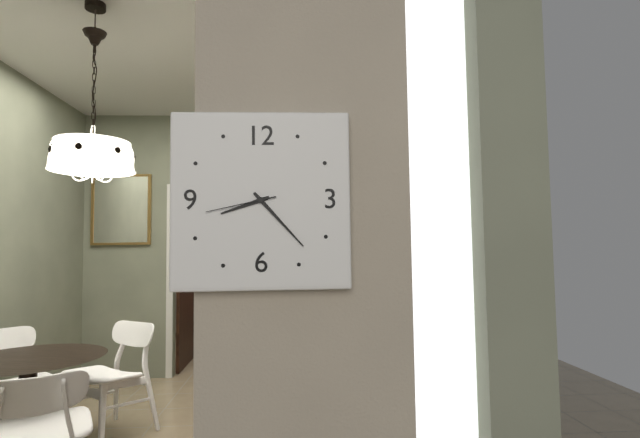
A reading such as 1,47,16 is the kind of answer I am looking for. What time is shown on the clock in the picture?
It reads 8,23,43
